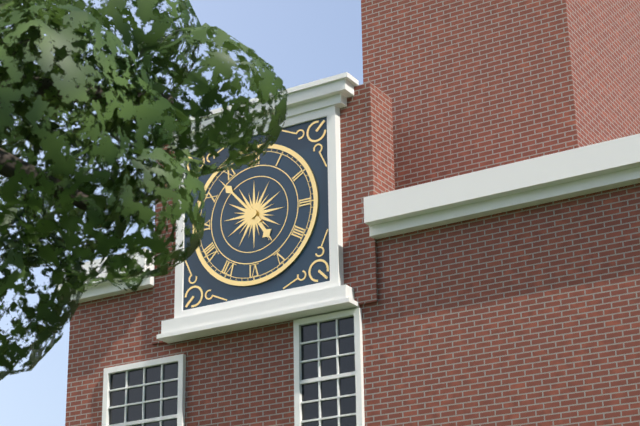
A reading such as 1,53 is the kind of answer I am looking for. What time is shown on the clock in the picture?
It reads 4,53
